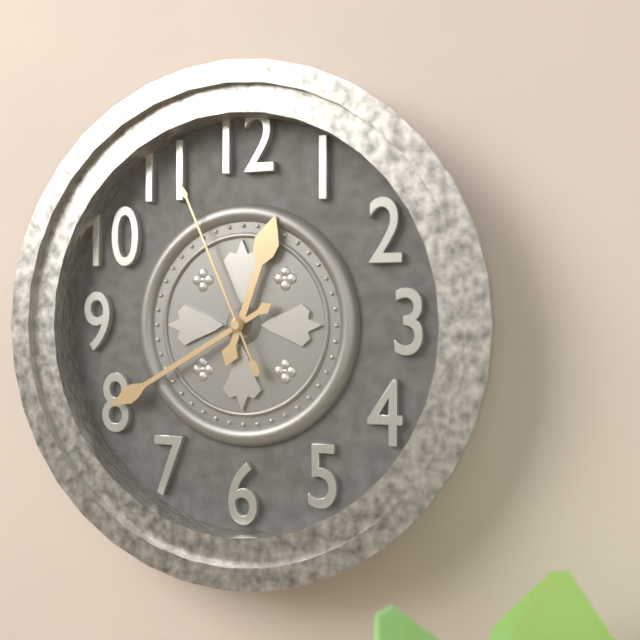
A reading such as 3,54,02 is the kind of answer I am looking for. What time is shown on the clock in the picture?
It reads 12,40,56
